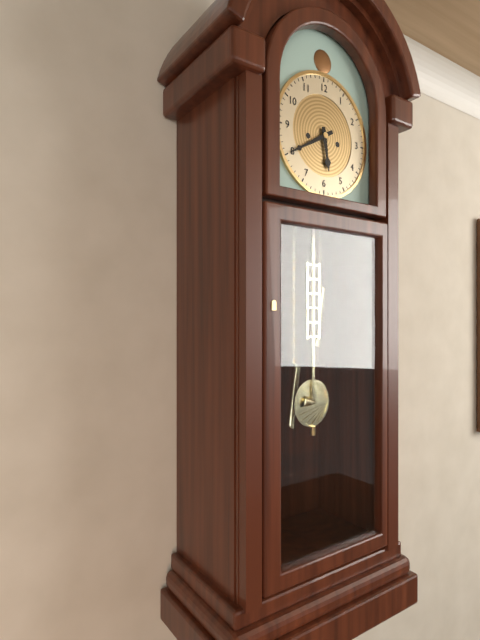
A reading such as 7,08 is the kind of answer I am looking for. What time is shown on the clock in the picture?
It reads 5,40
